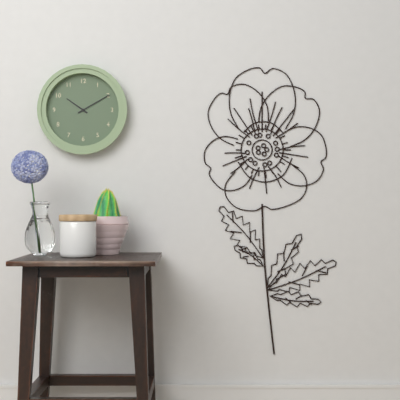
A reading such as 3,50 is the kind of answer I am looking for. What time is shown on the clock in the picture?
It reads 10,10
